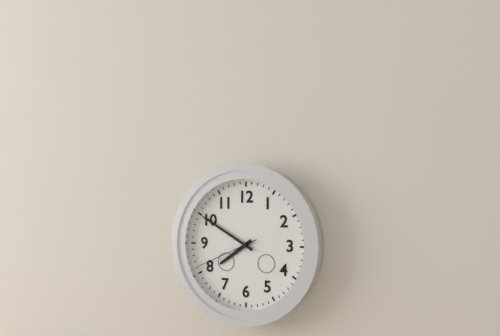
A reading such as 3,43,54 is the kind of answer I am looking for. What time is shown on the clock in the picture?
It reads 7,50,41
